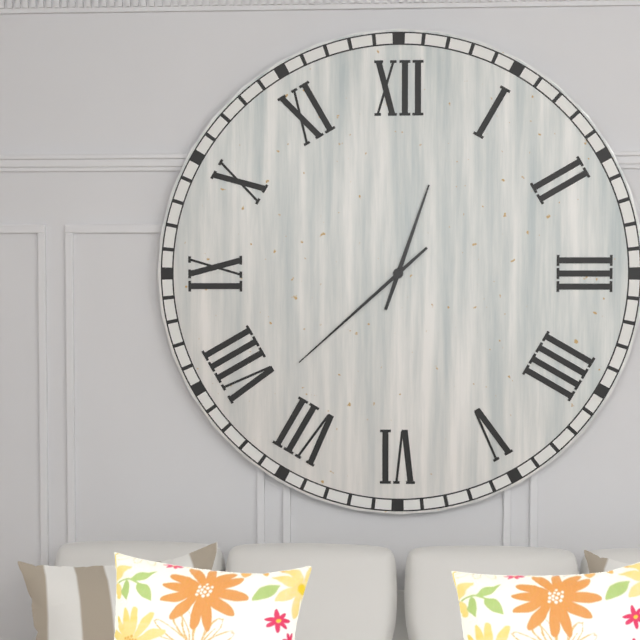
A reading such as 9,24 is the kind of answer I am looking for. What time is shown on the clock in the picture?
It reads 12,38
